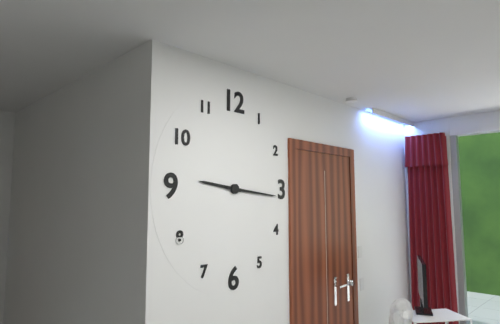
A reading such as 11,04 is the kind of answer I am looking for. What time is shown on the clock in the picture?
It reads 9,16
